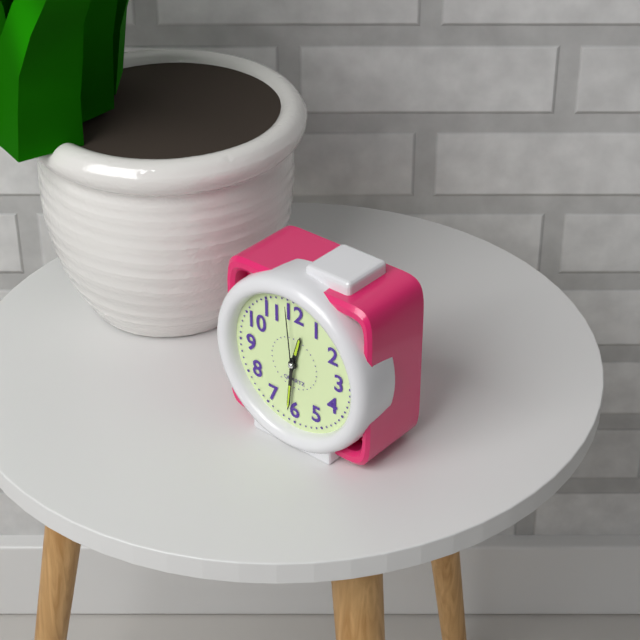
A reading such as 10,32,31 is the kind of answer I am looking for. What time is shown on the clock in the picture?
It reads 12,31,59
